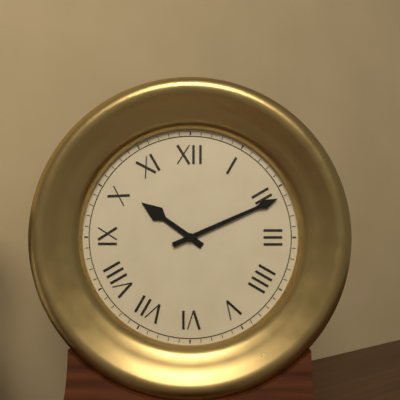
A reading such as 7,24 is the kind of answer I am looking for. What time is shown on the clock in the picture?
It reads 10,11
